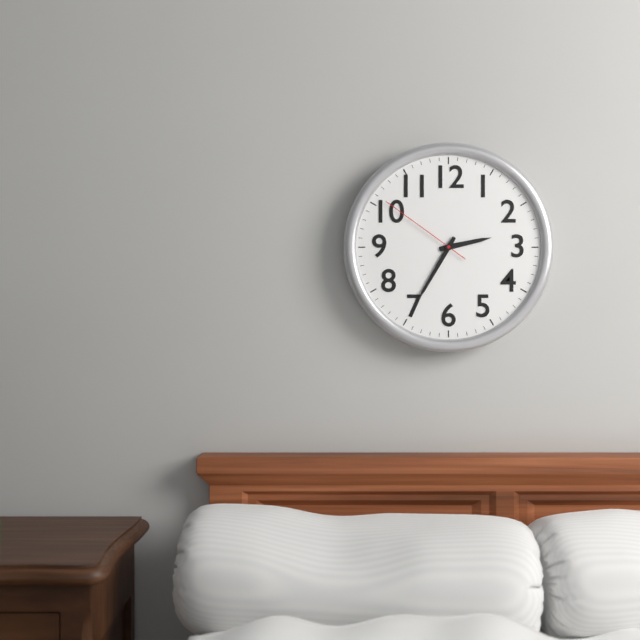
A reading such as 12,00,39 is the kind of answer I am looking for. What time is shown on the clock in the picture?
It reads 2,35,51
